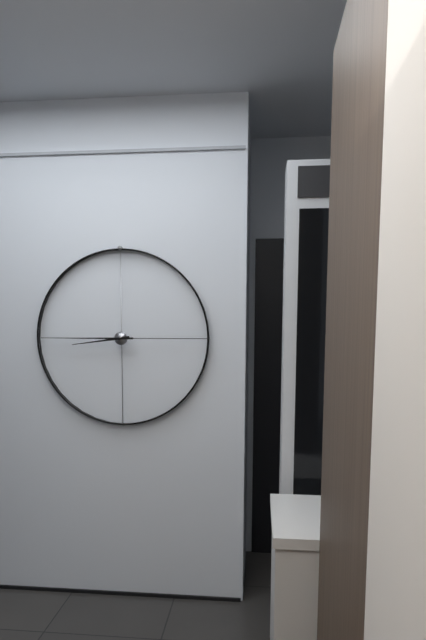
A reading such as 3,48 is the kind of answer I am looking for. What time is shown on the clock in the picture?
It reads 8,45
